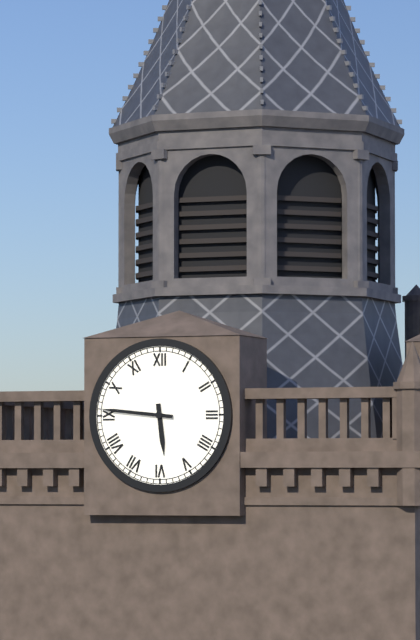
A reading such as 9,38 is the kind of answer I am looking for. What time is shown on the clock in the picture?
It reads 5,46
